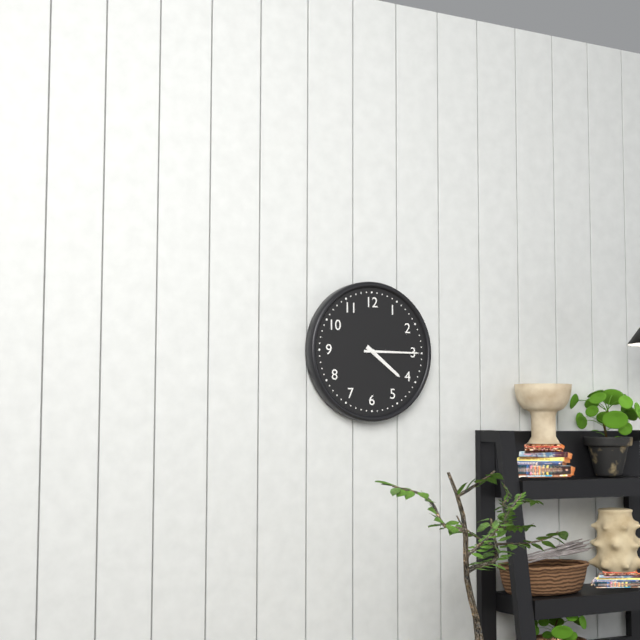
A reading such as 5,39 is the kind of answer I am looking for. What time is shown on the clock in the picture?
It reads 4,15
